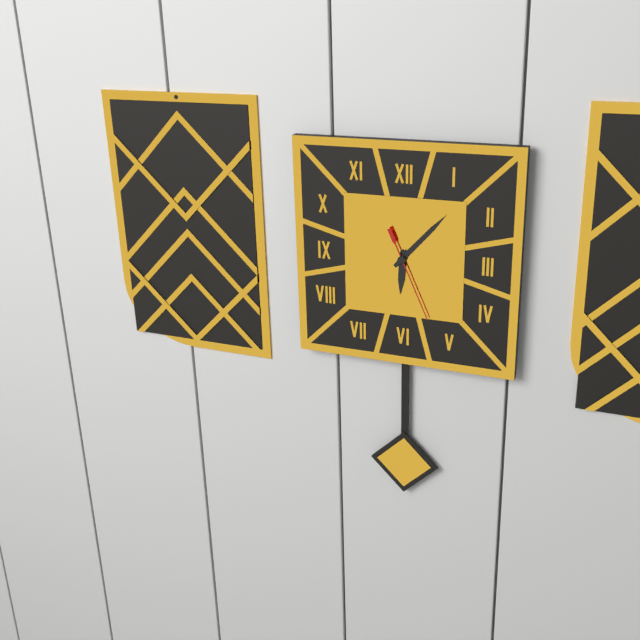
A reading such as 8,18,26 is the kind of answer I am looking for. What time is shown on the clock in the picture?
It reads 6,07,26
